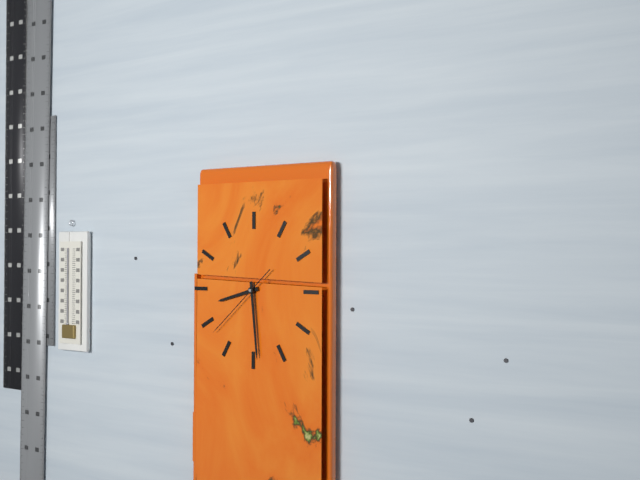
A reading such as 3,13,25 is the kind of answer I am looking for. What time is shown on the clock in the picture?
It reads 8,29,38
